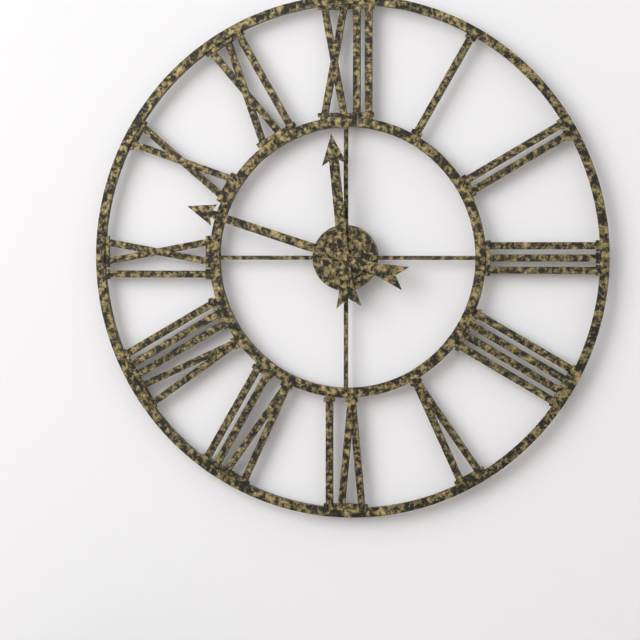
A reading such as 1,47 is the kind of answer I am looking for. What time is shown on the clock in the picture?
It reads 11,48
